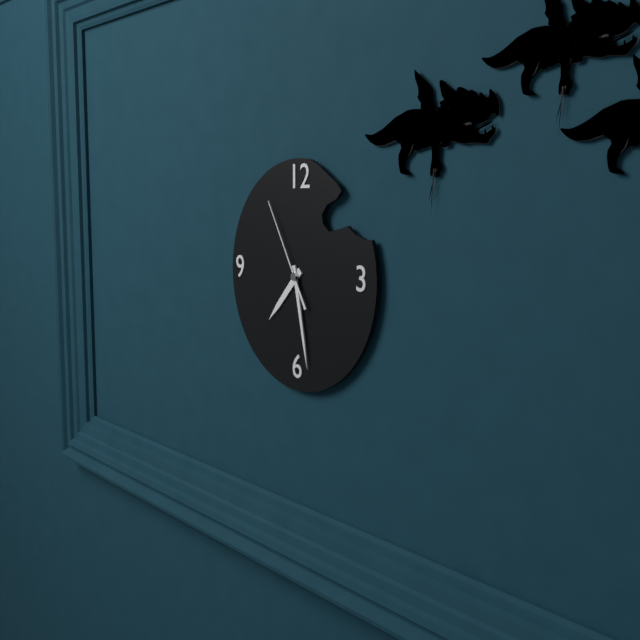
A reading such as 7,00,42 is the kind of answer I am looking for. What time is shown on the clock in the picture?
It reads 7,28,55
